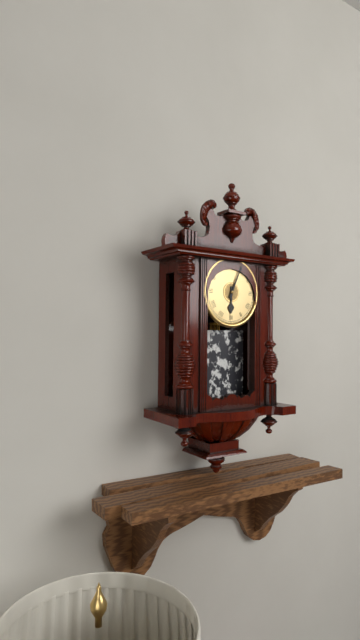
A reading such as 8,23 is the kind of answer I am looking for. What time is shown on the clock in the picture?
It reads 6,04
